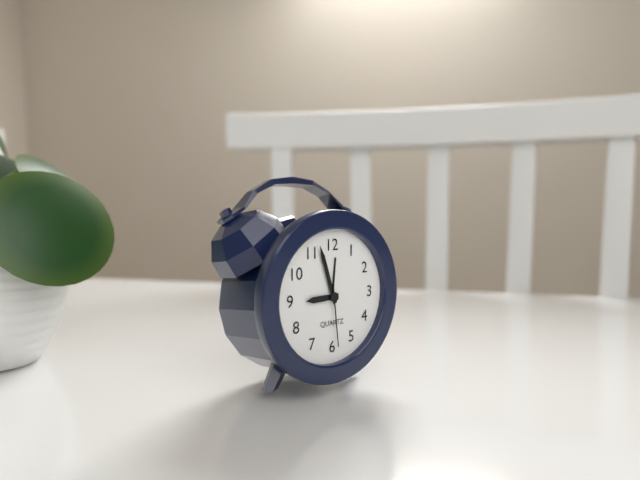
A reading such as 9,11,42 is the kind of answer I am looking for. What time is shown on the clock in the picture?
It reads 8,57,29
